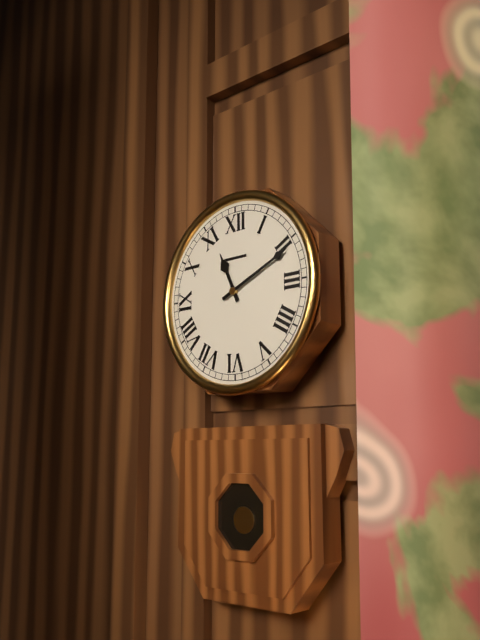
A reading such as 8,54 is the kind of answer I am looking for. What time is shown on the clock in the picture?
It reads 11,11
